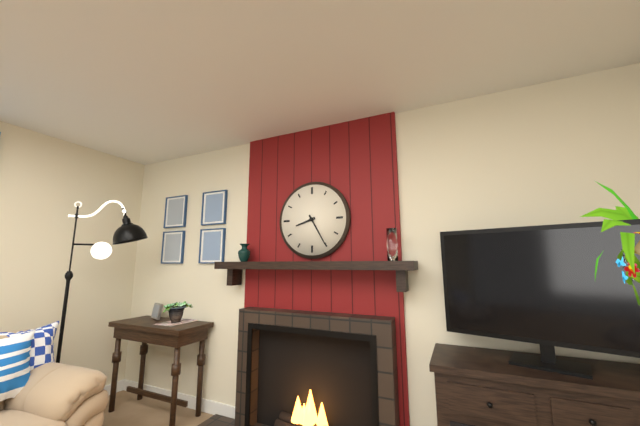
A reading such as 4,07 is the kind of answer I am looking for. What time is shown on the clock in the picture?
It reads 8,25
